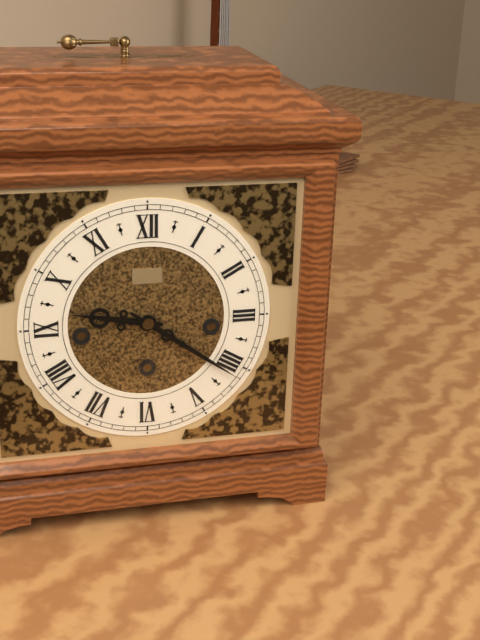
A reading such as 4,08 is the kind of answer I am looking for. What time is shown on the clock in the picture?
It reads 9,21
